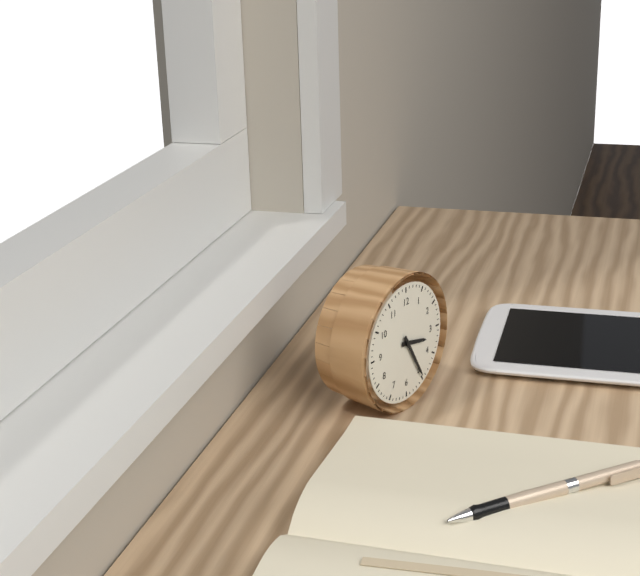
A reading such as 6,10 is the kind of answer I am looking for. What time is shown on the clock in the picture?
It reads 3,25
